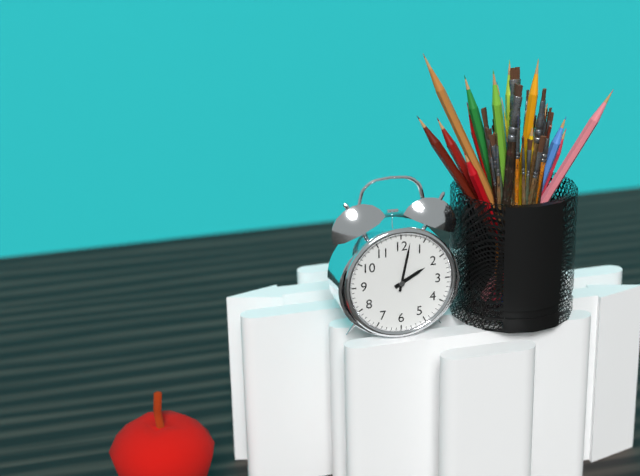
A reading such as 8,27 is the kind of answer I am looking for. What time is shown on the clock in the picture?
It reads 2,02
